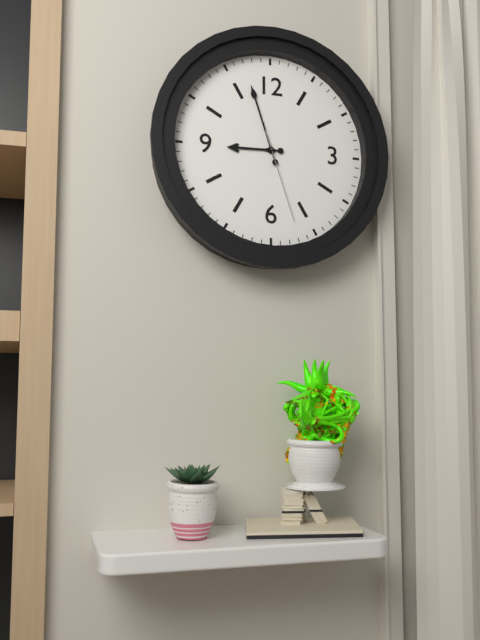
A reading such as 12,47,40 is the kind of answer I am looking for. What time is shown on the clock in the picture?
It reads 8,57,27
